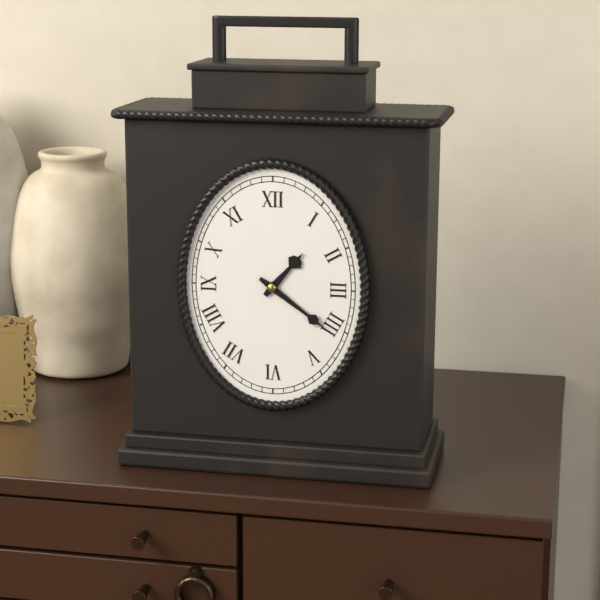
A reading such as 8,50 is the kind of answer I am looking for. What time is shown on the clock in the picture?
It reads 1,21
